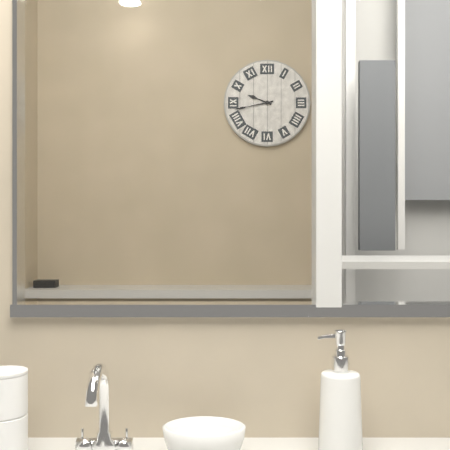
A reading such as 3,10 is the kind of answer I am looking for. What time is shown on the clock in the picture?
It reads 9,43
